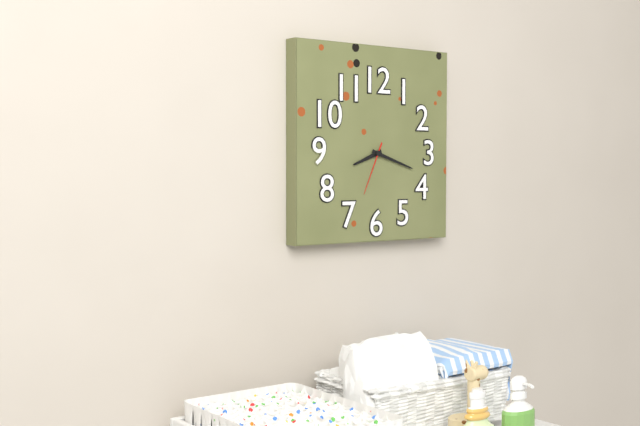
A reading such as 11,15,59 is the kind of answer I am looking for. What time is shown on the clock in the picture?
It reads 8,18,34
